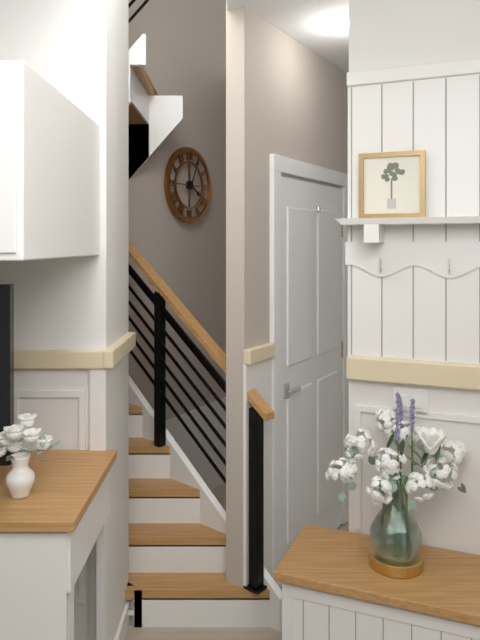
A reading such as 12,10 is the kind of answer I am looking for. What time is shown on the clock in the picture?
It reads 4,04
